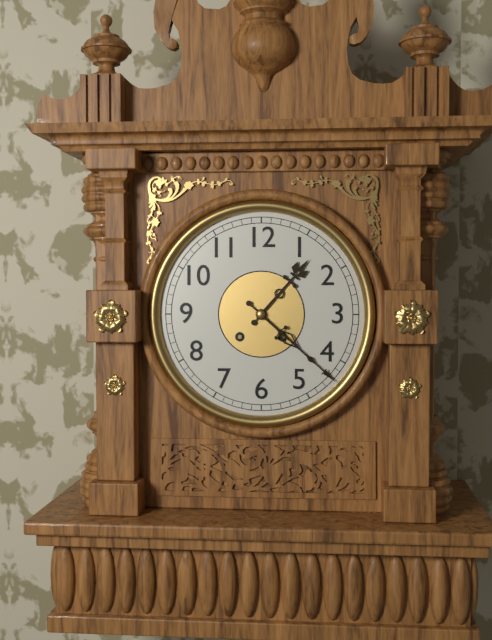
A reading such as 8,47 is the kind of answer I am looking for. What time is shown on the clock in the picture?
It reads 1,22
